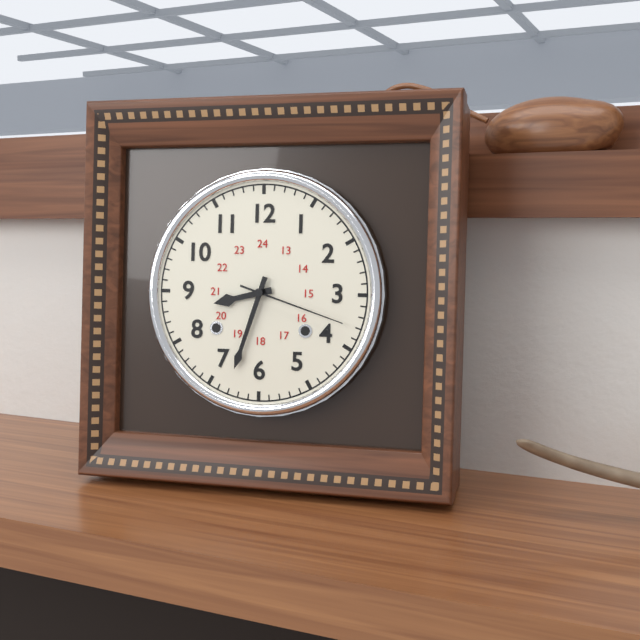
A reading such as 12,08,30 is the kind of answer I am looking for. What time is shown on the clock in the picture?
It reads 8,33,18
